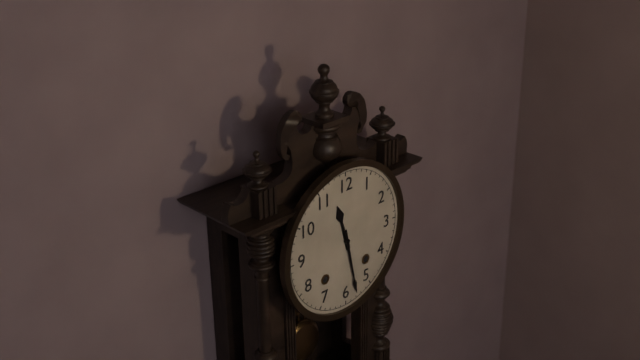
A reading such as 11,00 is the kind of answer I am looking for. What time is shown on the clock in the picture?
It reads 11,28
